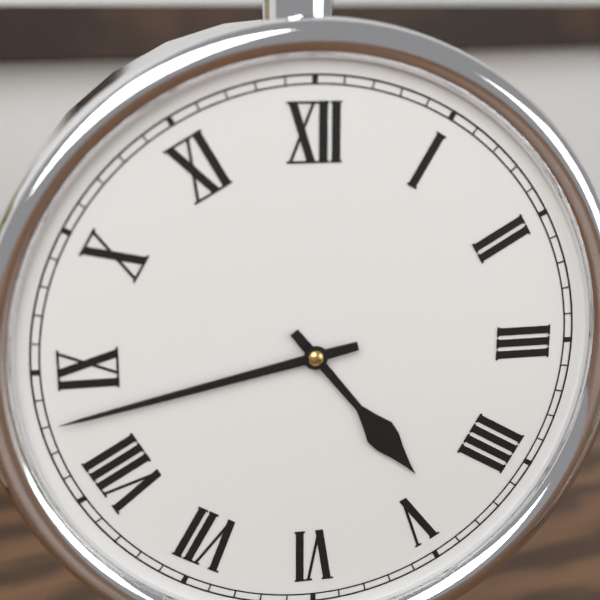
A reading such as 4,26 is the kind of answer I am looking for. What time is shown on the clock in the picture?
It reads 4,43
